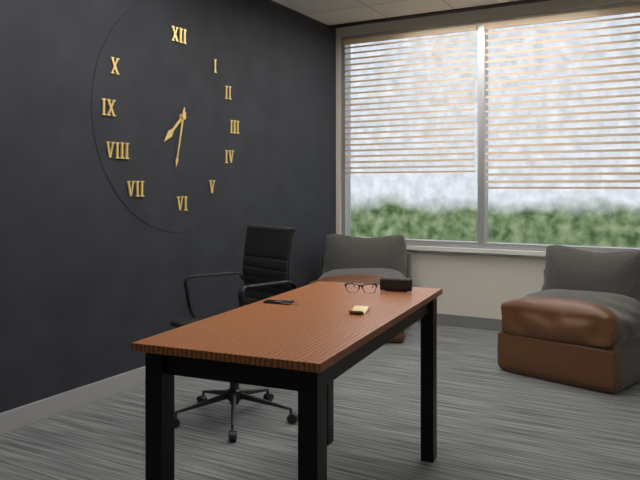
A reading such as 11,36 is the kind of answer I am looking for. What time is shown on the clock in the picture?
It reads 7,32
